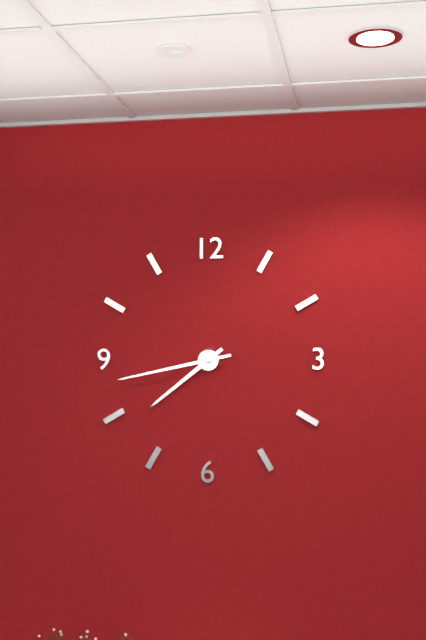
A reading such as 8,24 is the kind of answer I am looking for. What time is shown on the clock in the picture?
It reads 7,43
